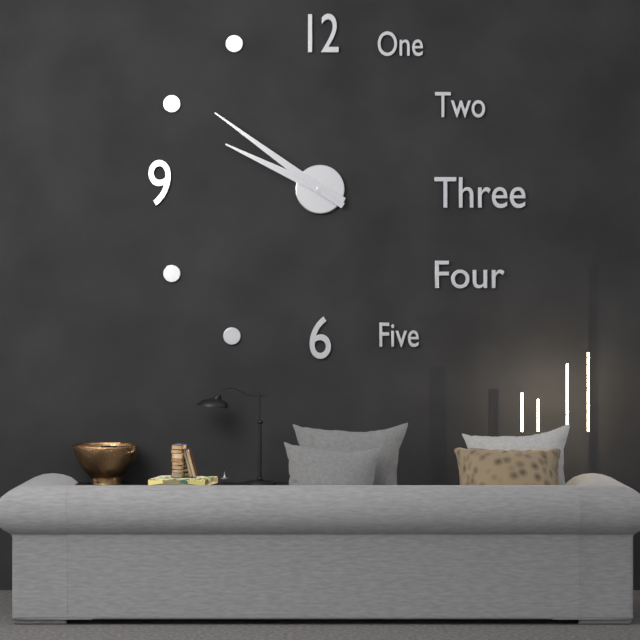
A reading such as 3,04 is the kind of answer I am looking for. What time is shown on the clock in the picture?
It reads 9,51
